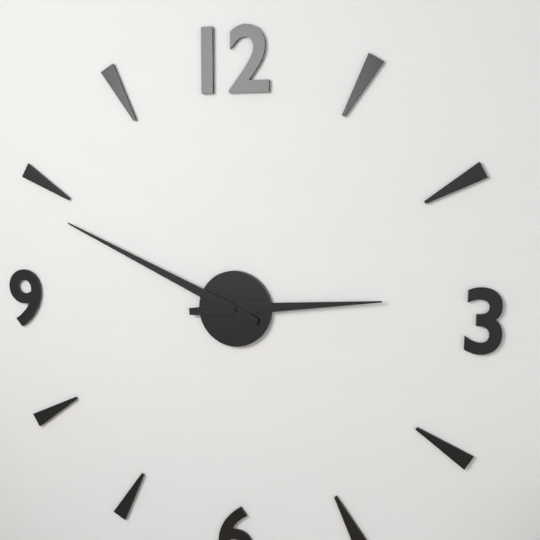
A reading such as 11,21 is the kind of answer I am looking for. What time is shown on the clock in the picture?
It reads 2,49
